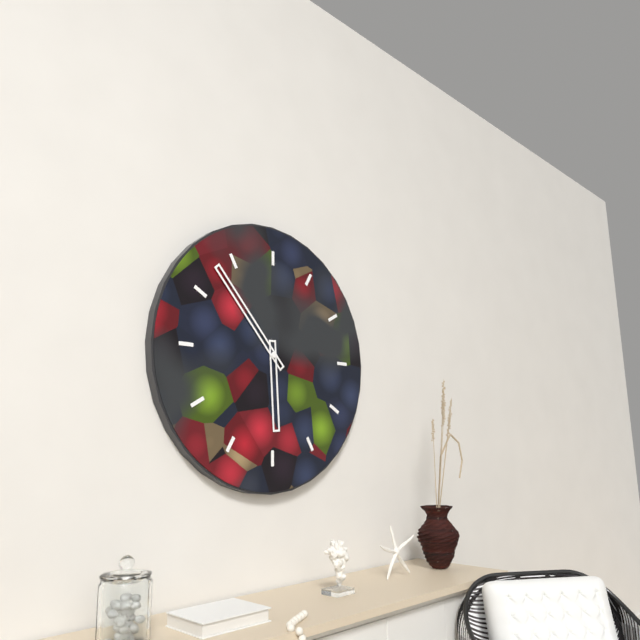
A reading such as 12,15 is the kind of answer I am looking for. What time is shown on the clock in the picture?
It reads 5,53
